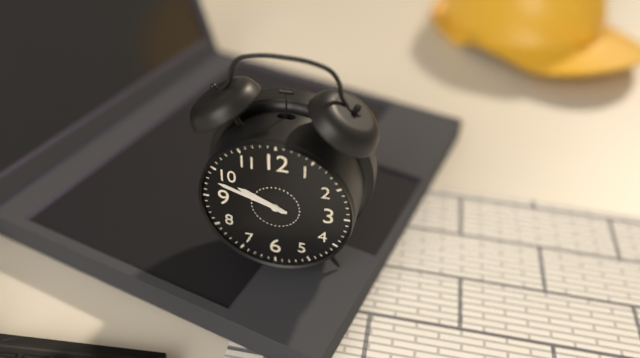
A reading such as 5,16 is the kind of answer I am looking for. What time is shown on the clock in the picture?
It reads 9,48
